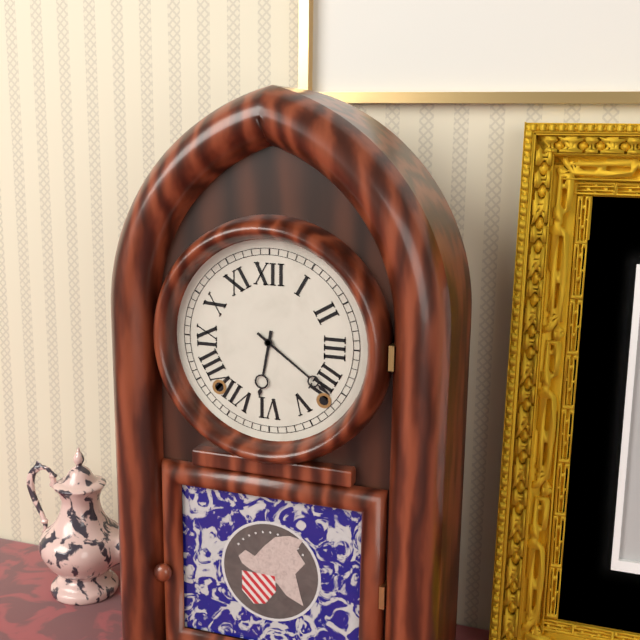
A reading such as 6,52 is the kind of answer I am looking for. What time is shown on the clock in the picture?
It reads 6,21
